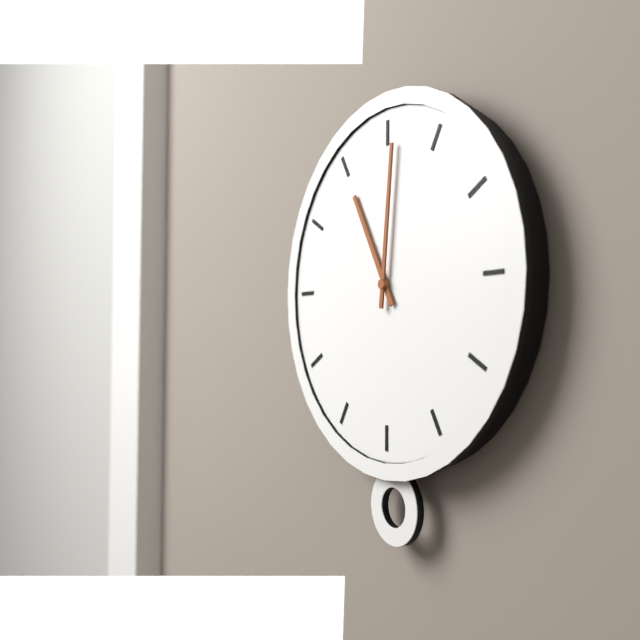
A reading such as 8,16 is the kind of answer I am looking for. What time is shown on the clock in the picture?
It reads 11,01
